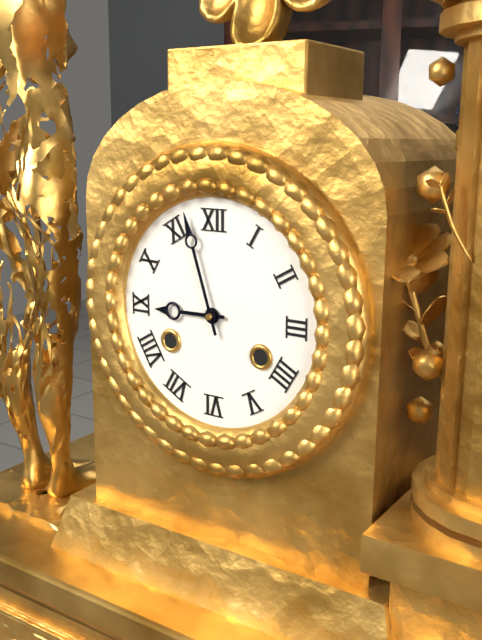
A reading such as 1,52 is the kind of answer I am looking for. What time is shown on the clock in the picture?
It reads 8,57
